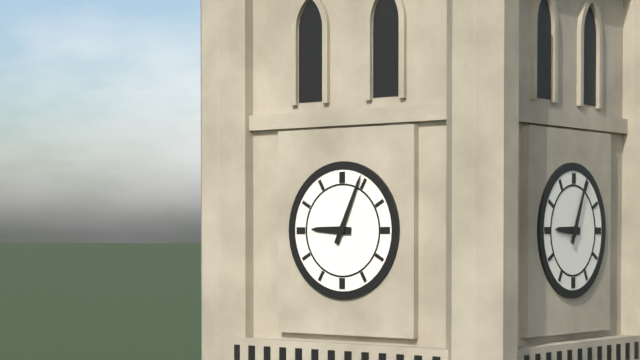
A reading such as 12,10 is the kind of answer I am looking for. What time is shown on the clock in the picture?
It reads 9,04
